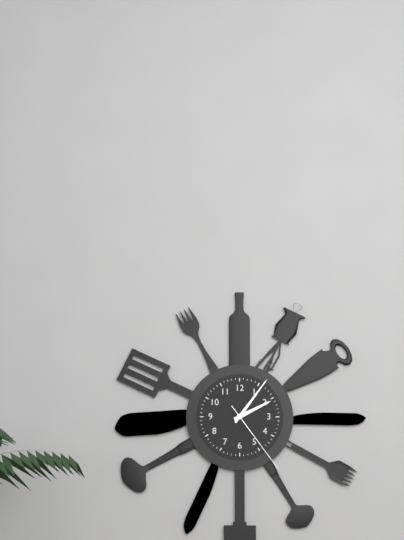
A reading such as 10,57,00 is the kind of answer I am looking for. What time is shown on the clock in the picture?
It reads 2,06,24
